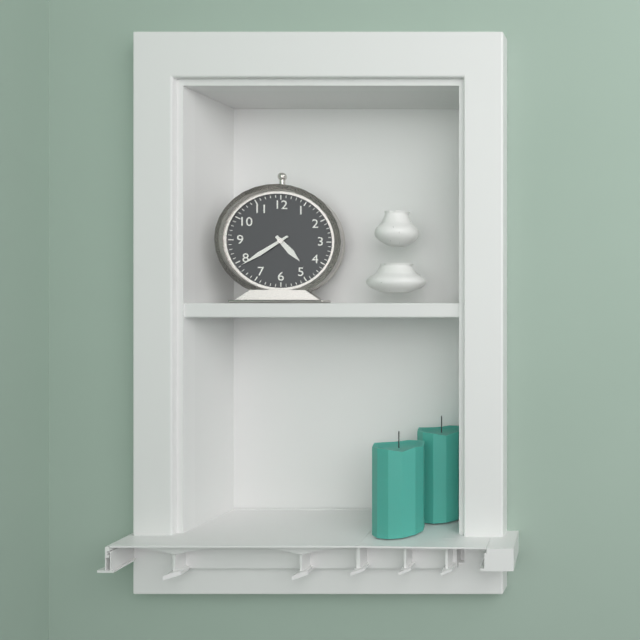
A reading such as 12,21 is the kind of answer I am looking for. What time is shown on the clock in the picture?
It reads 4,39
